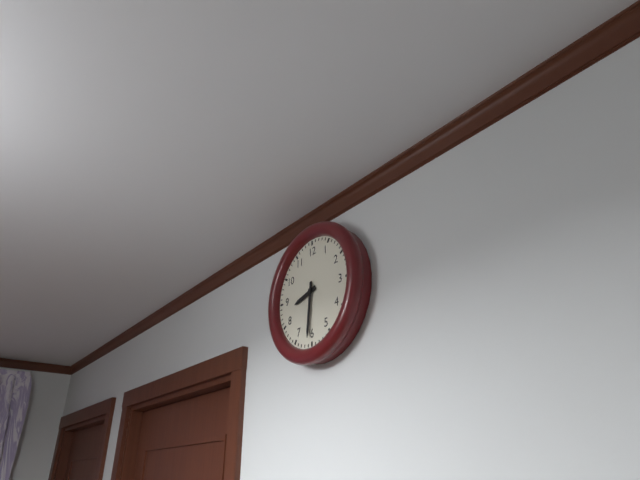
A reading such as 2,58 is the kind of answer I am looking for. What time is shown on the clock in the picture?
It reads 8,31
